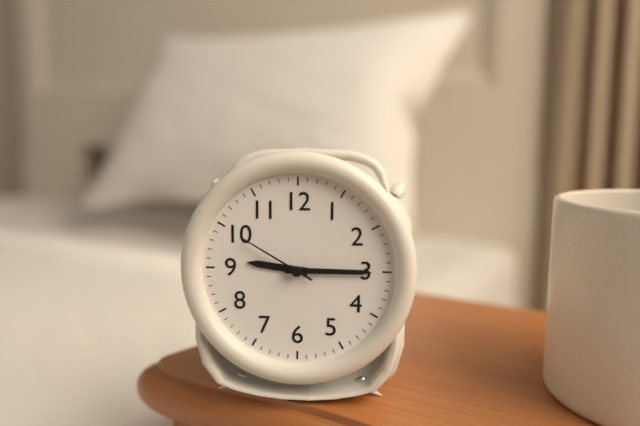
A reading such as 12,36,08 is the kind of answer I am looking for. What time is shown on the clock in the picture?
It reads 9,15,50
